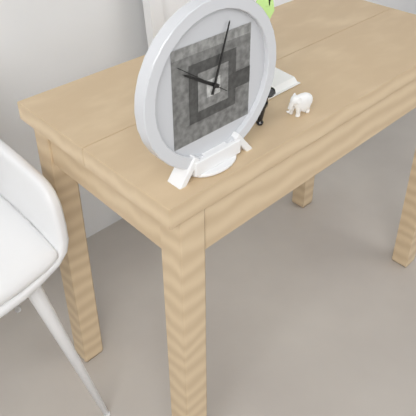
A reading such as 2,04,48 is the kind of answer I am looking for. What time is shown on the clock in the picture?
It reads 10,03,51
